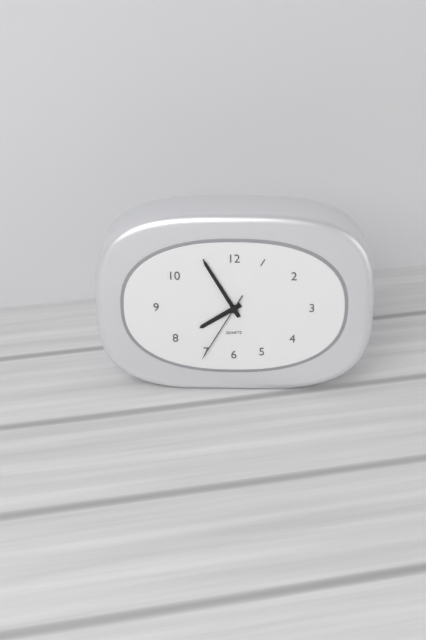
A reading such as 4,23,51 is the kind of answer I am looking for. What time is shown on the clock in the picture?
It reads 7,55,35
